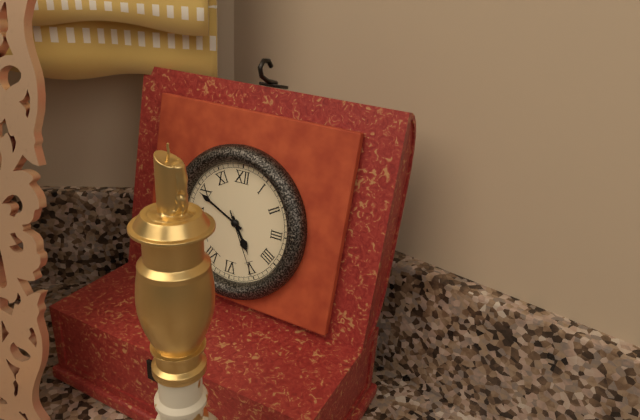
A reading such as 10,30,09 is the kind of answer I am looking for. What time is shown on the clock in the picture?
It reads 4,49,25
